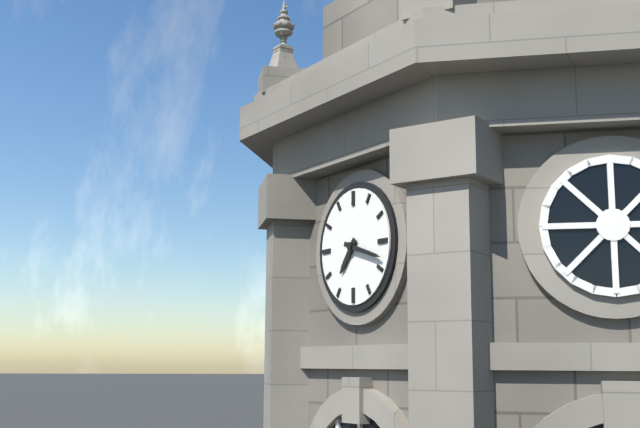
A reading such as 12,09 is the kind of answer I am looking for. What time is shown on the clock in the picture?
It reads 7,18
